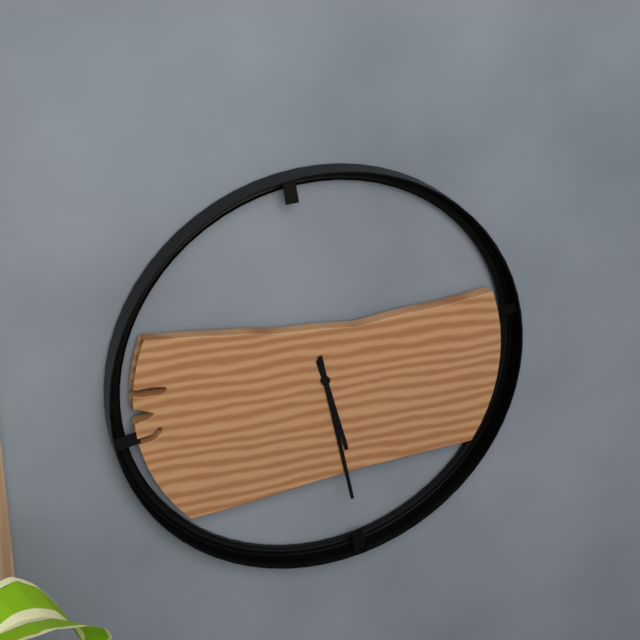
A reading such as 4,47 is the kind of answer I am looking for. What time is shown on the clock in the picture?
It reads 5,28
